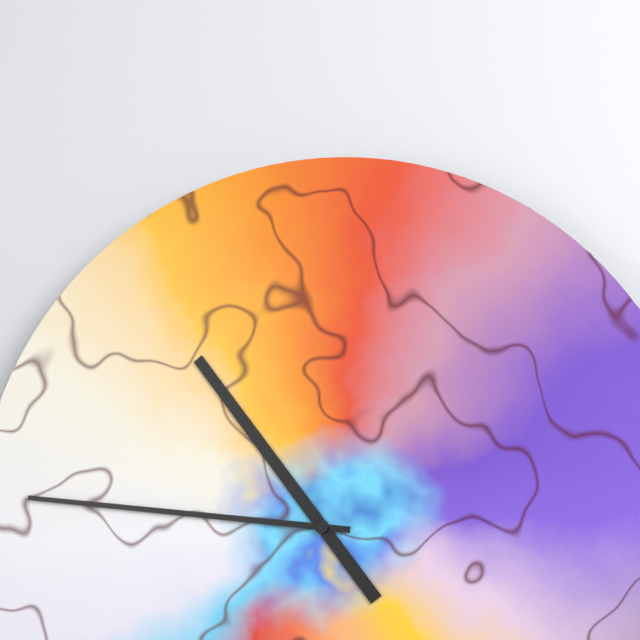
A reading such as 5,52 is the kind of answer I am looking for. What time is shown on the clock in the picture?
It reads 10,46
